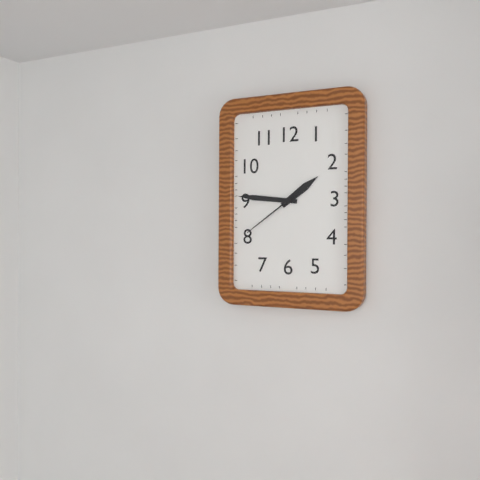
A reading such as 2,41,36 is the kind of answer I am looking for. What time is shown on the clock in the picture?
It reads 1,46,39
